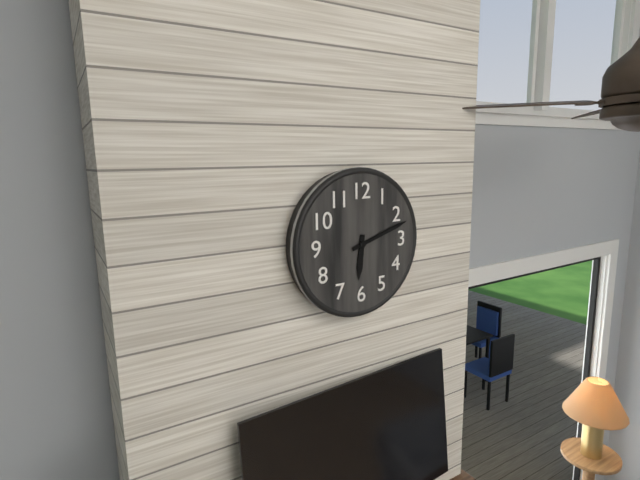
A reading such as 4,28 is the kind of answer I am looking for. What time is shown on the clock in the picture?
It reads 6,12
